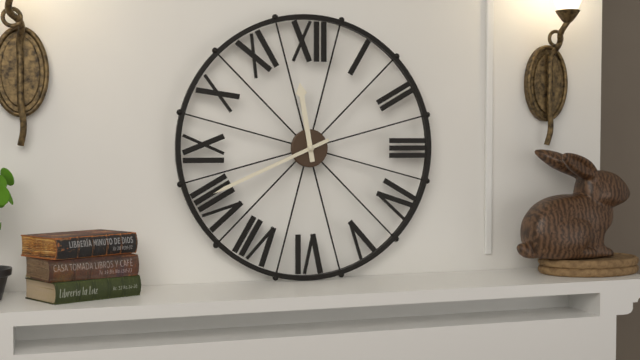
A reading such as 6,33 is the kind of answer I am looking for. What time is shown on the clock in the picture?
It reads 11,41
